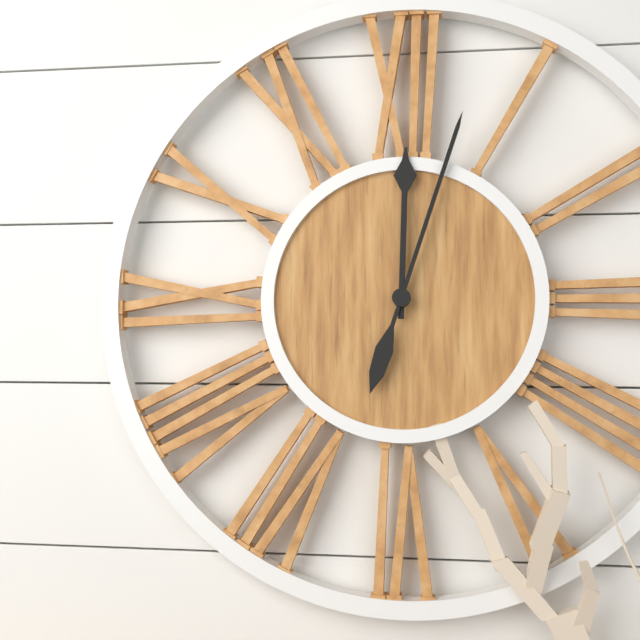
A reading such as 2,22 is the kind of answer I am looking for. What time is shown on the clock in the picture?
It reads 12,03
